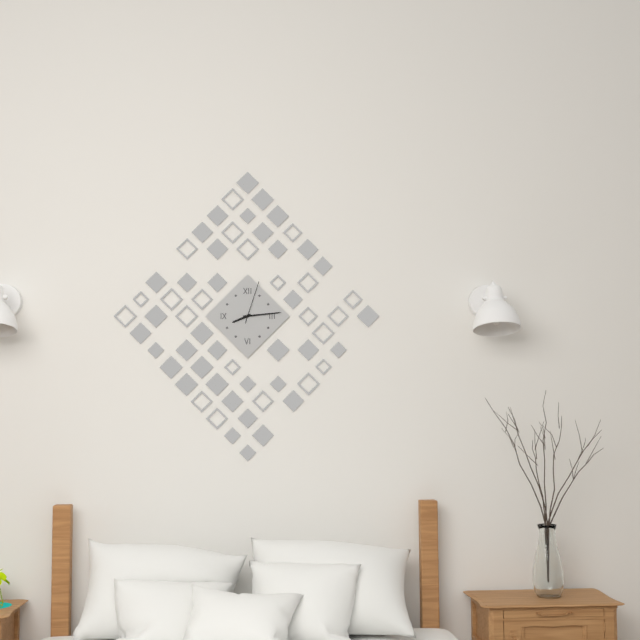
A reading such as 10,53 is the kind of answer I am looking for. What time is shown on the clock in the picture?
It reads 8,14
